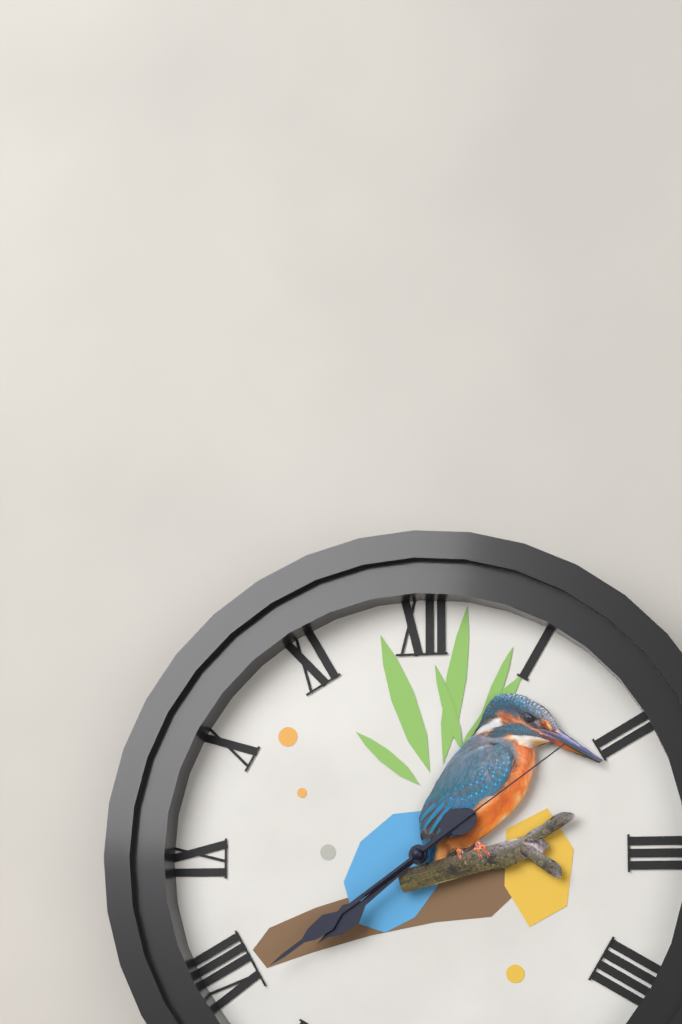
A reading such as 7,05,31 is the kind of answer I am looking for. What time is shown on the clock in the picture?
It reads 7,39,09
